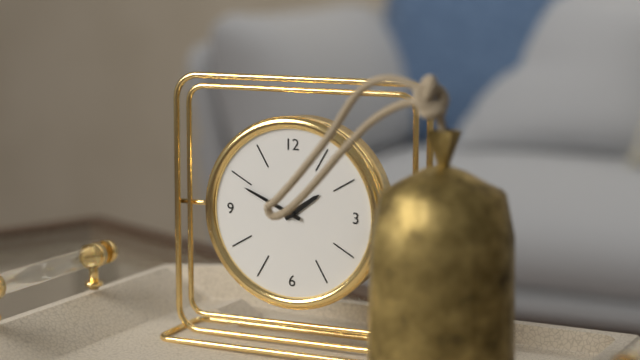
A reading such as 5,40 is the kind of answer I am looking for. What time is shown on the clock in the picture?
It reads 1,49
